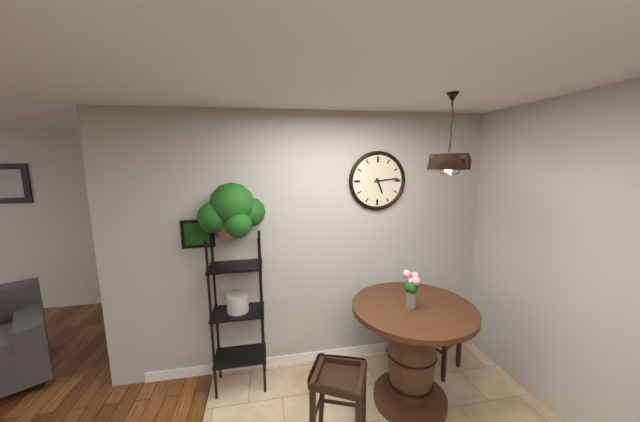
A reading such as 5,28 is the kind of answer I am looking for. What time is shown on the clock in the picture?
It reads 5,14
